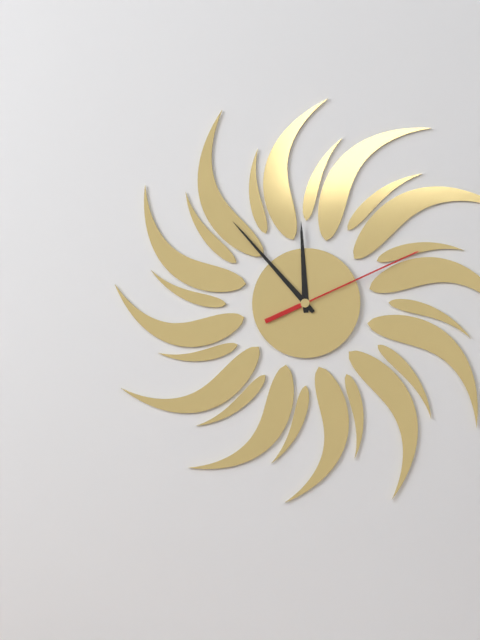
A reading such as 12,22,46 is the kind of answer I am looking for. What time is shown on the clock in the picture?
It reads 11,53,11
